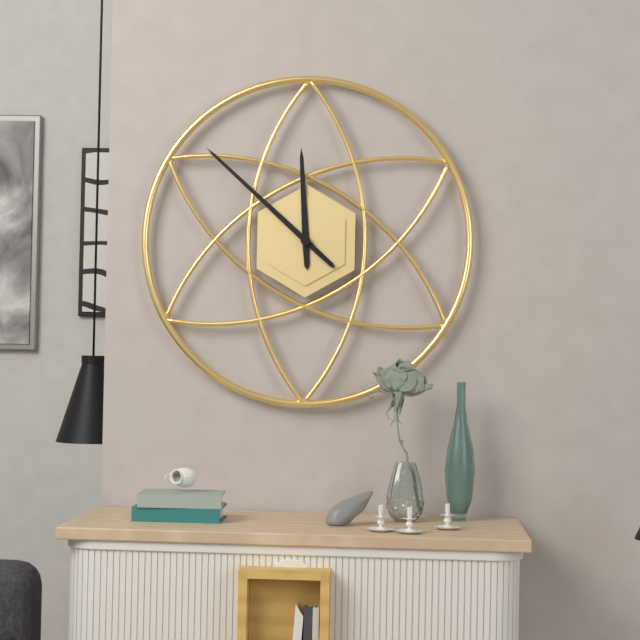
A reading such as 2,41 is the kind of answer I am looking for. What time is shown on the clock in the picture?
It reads 11,52
